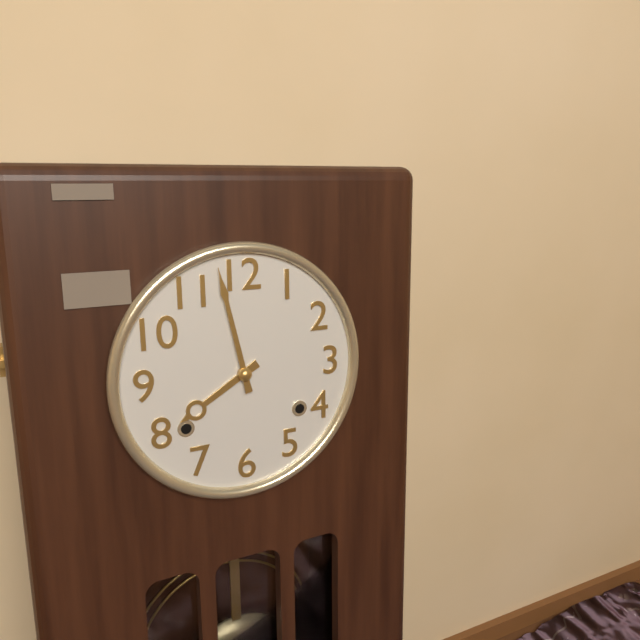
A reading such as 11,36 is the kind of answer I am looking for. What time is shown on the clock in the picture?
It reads 7,58
